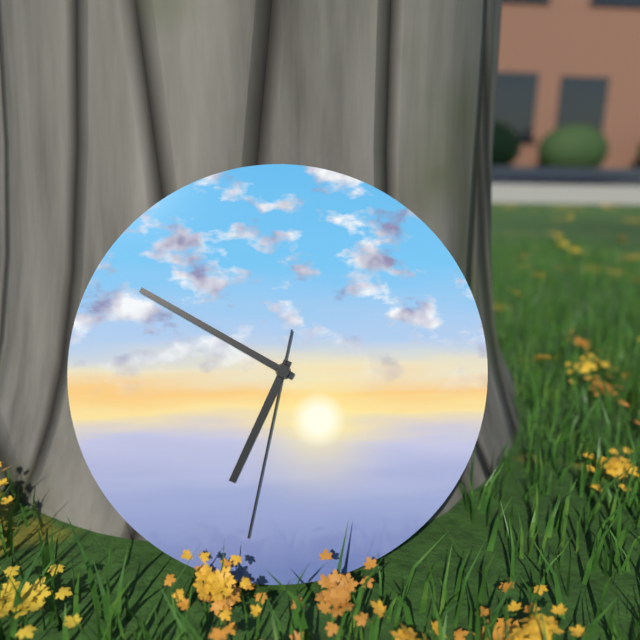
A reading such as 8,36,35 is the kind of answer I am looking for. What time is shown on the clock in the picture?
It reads 6,50,32
